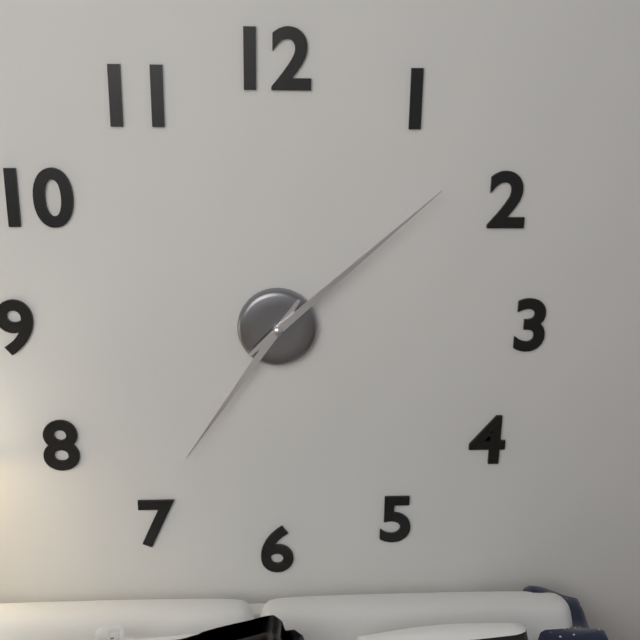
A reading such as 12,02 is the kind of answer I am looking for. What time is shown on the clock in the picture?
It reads 7,08
